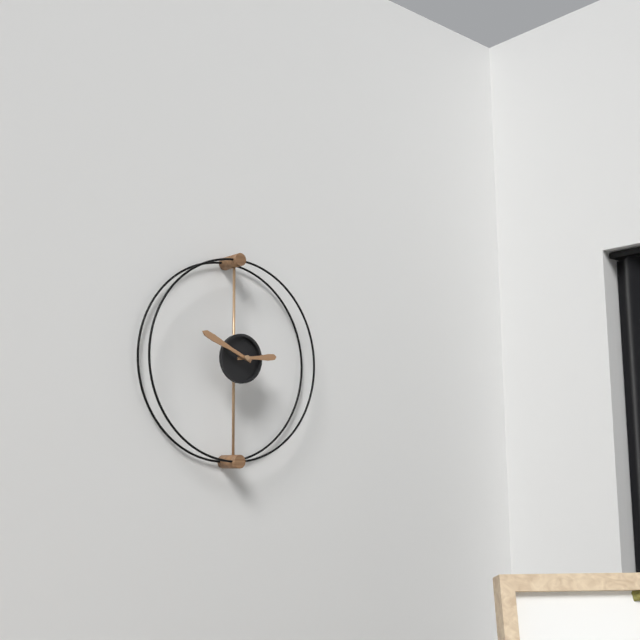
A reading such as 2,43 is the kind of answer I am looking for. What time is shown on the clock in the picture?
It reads 2,49
